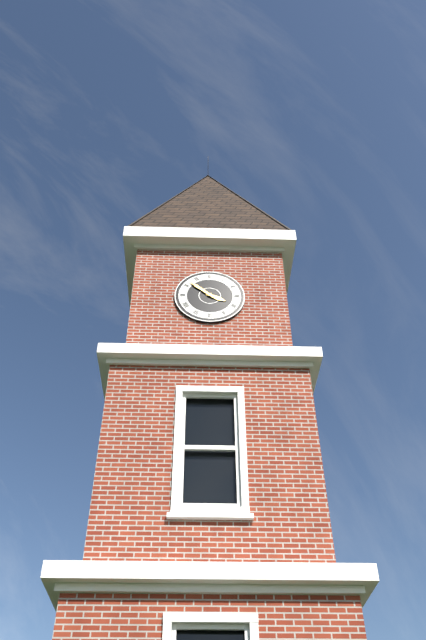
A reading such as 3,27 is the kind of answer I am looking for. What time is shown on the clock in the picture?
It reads 3,52
